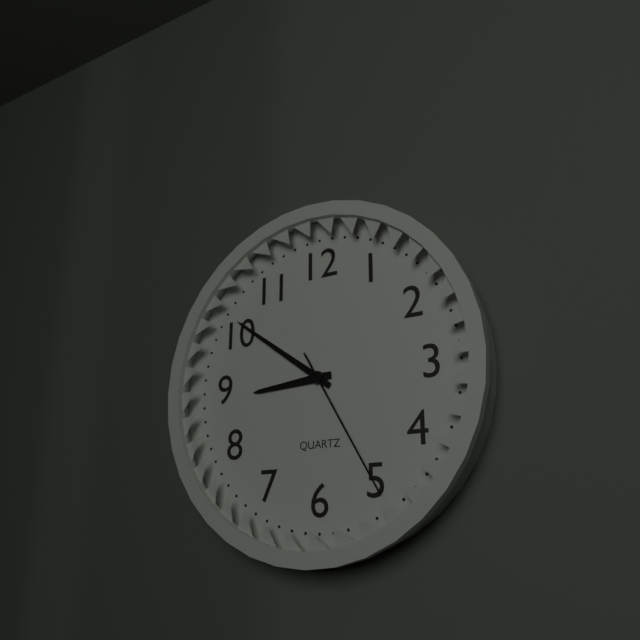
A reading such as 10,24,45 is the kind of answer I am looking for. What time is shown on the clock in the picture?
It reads 8,51,25
